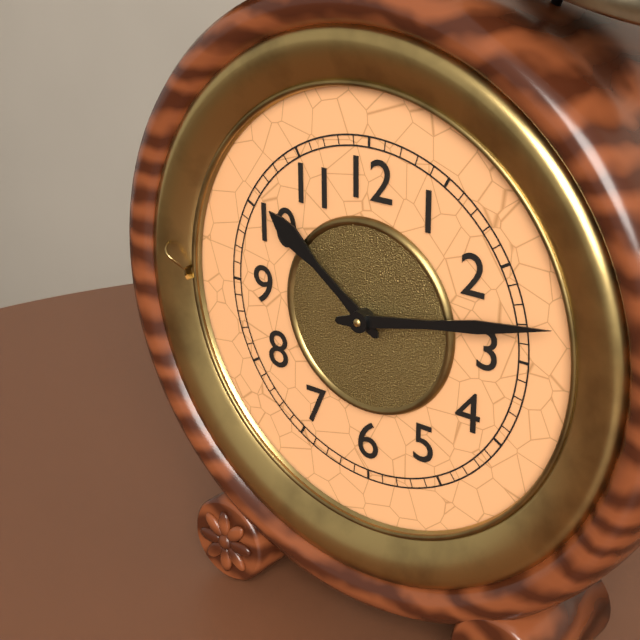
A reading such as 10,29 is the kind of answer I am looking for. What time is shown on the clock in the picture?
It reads 10,13
